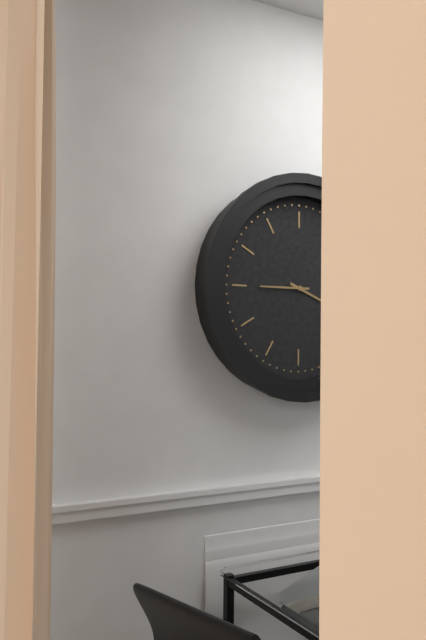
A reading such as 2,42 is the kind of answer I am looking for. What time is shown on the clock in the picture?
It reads 3,45
